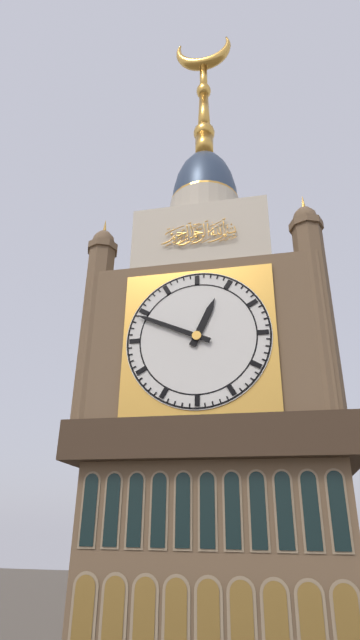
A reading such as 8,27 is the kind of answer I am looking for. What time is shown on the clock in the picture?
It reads 12,49
